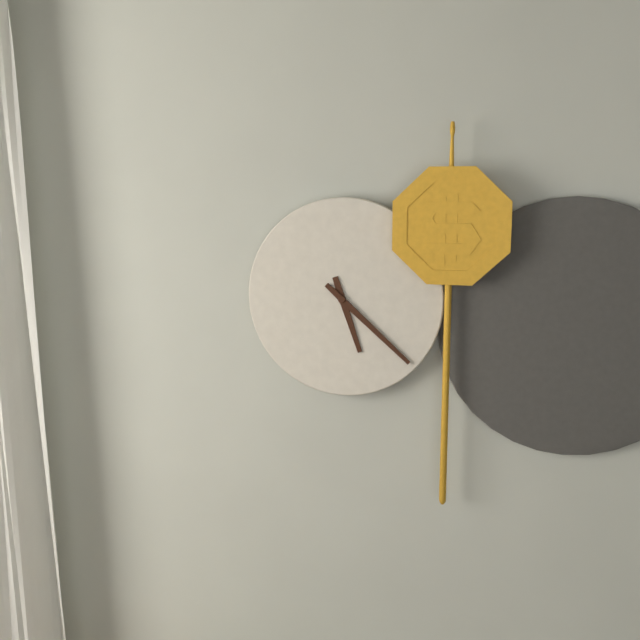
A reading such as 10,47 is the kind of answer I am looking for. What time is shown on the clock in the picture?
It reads 5,22
